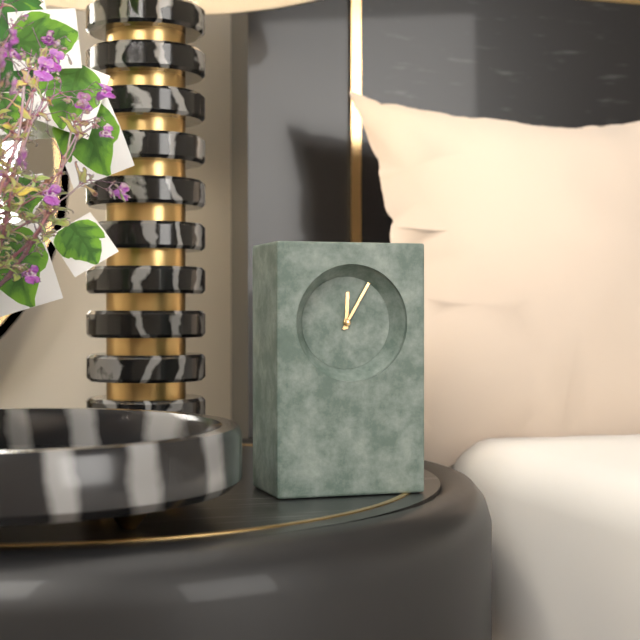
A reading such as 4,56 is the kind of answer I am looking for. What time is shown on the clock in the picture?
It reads 12,05
